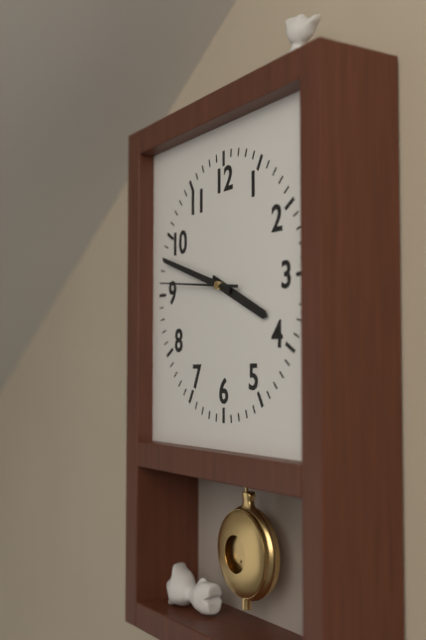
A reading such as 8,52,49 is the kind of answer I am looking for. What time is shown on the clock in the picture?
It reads 3,48,46
